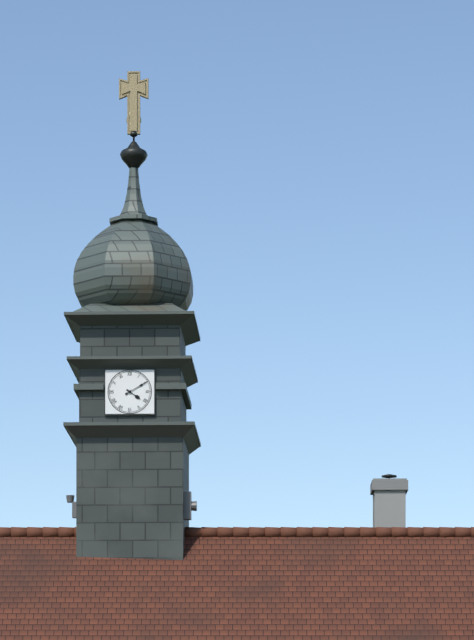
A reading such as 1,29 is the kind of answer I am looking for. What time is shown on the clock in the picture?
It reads 4,10
